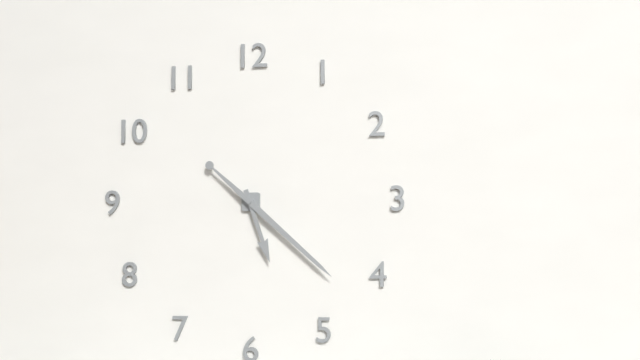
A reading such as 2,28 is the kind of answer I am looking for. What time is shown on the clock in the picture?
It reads 5,22
